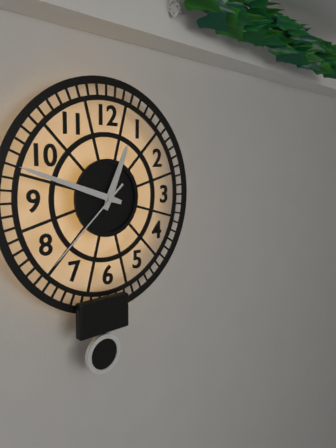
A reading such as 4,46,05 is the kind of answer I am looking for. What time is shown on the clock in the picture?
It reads 12,48,38
